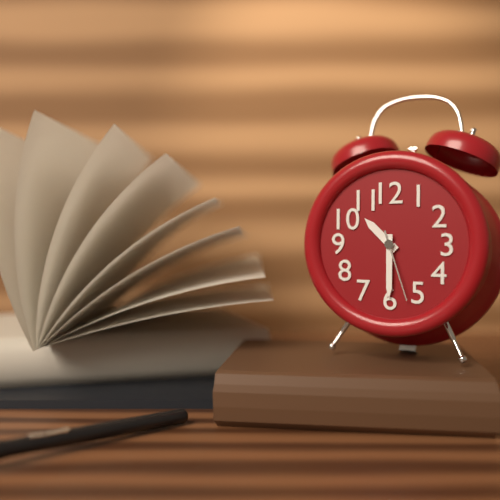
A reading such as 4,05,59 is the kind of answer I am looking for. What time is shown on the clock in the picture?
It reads 10,30,27
